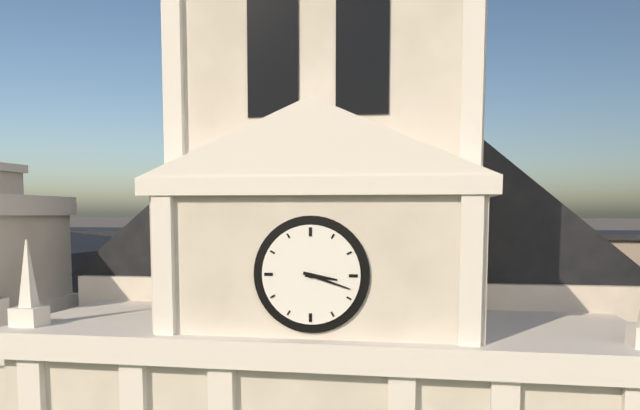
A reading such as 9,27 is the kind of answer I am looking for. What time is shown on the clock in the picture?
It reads 3,18
